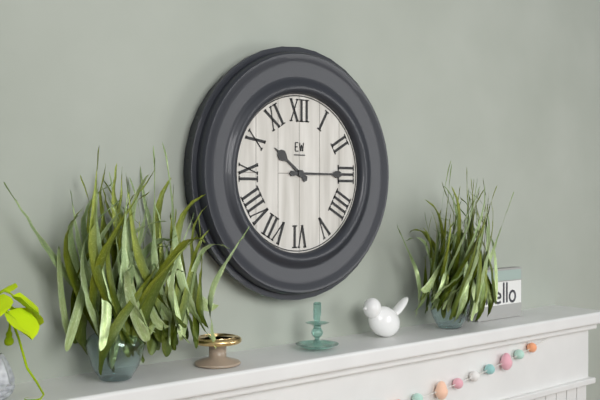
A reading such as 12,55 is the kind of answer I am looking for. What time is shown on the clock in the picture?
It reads 10,15
